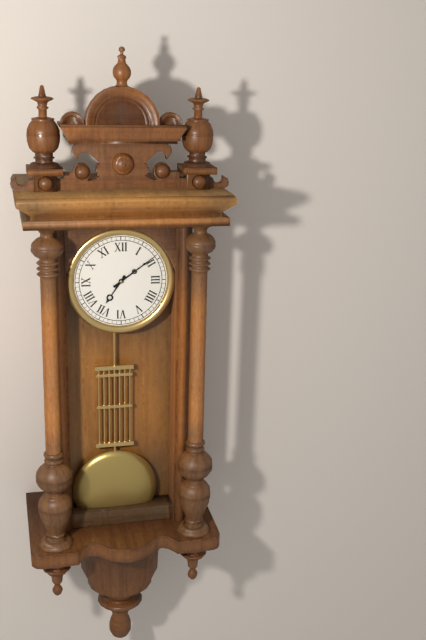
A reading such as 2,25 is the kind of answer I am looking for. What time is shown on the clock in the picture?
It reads 7,09
